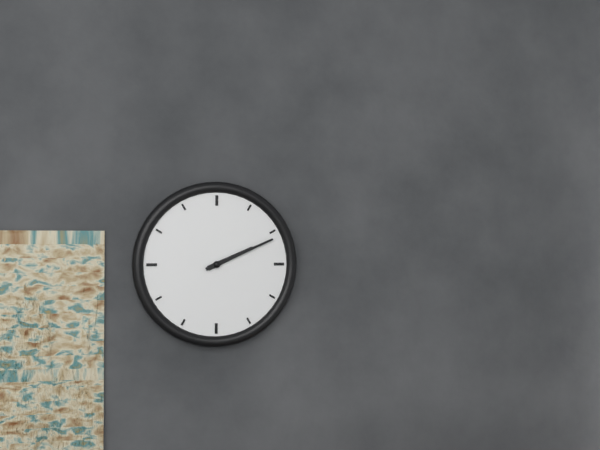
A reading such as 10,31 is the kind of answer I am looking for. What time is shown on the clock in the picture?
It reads 2,11
